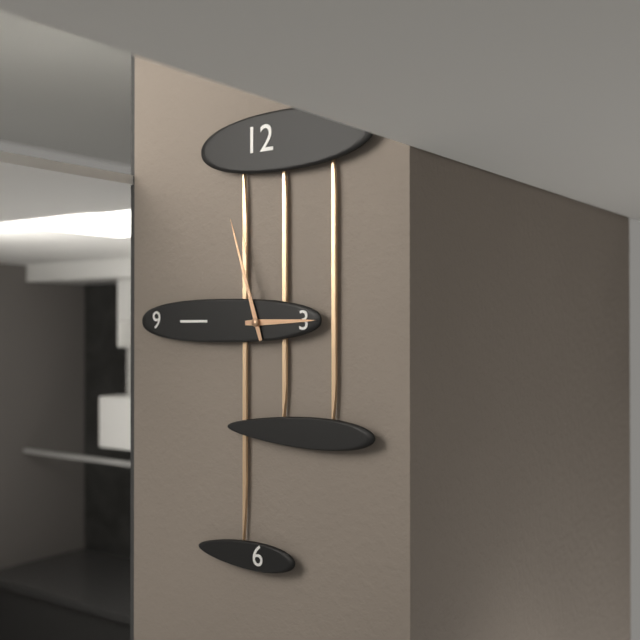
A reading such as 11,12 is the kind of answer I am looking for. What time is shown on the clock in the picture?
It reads 2,57
